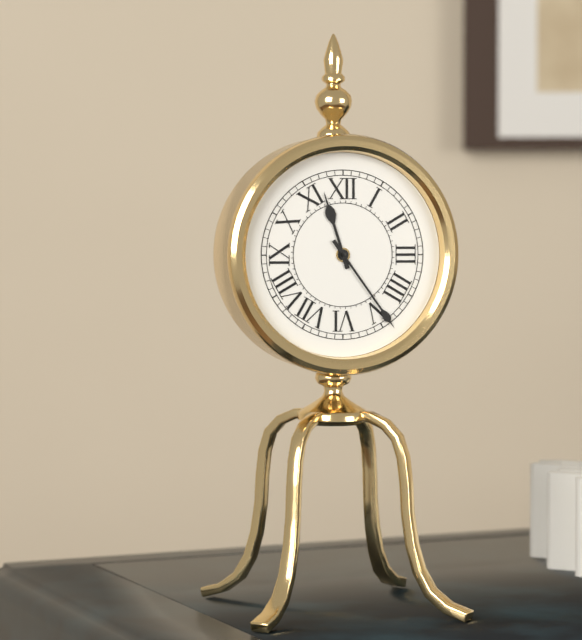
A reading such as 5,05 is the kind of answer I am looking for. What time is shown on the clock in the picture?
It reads 11,24
